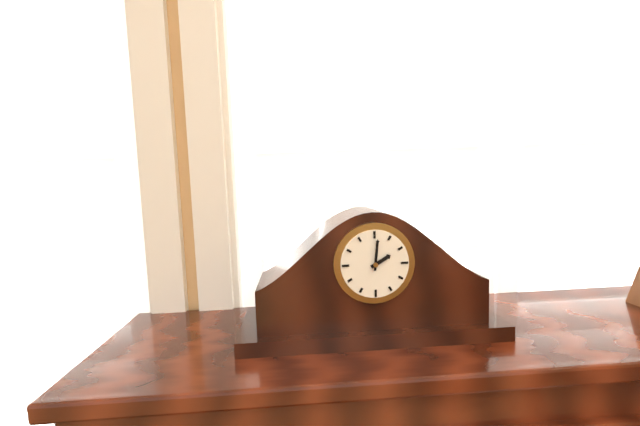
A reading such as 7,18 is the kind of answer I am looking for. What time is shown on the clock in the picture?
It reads 2,01
